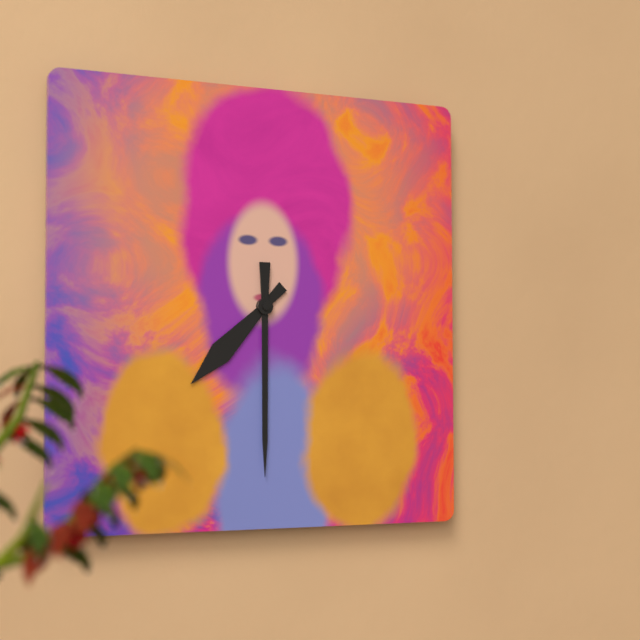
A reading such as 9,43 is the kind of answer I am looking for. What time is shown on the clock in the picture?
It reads 7,30
